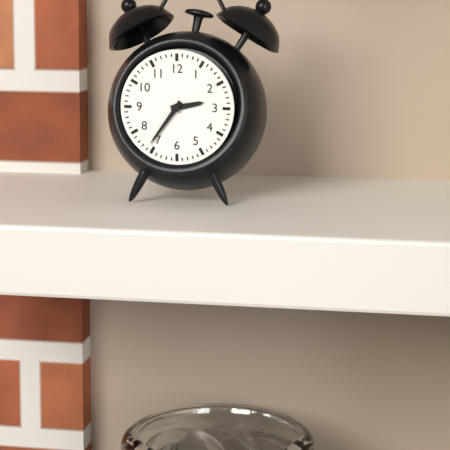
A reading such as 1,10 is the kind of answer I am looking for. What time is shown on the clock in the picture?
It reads 2,36
